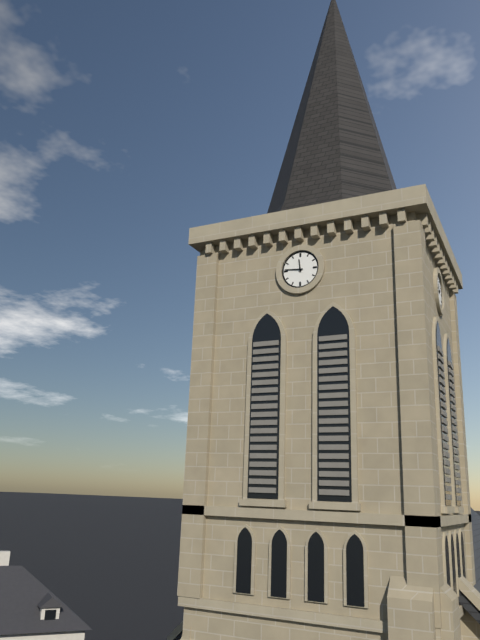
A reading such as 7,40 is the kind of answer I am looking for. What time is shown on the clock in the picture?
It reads 11,46
